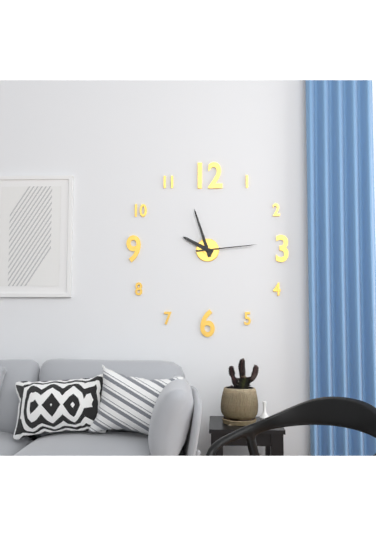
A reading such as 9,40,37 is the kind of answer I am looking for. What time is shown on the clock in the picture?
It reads 9,57,14
